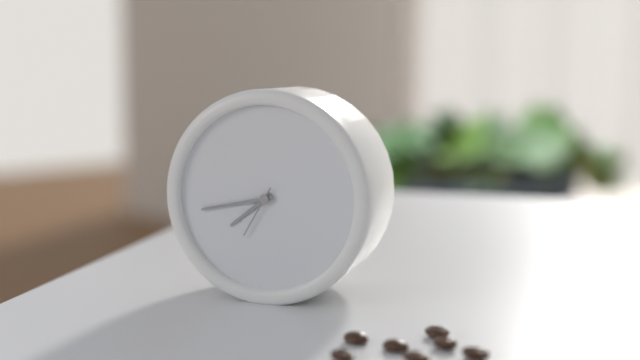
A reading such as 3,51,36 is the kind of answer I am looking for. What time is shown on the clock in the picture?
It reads 7,43,35
